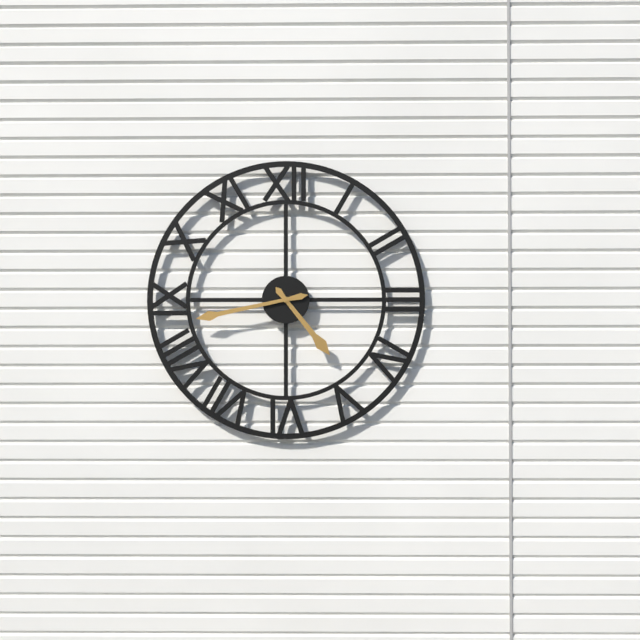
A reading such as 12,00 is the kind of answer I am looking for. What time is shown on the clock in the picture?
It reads 4,43
